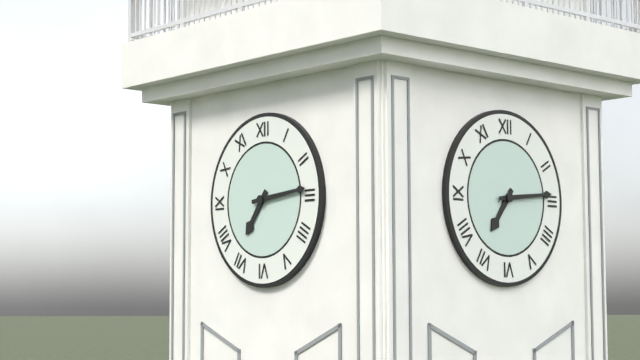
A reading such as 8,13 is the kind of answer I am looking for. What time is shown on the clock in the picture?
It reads 7,14
